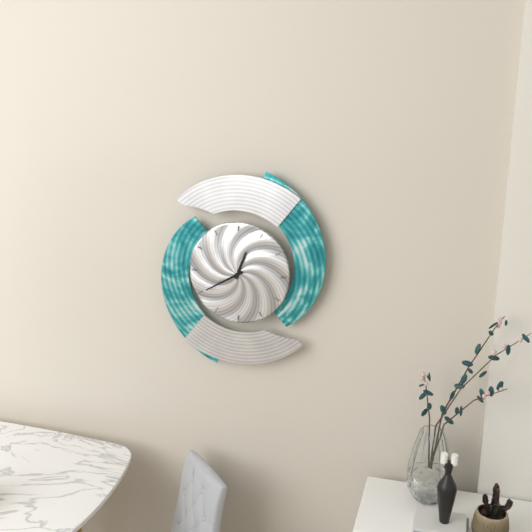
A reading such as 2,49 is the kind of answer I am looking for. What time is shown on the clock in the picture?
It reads 12,40
